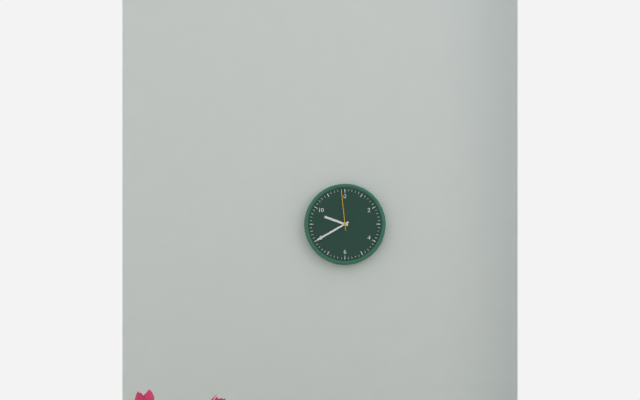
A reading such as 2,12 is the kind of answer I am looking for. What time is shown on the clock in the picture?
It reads 9,40
